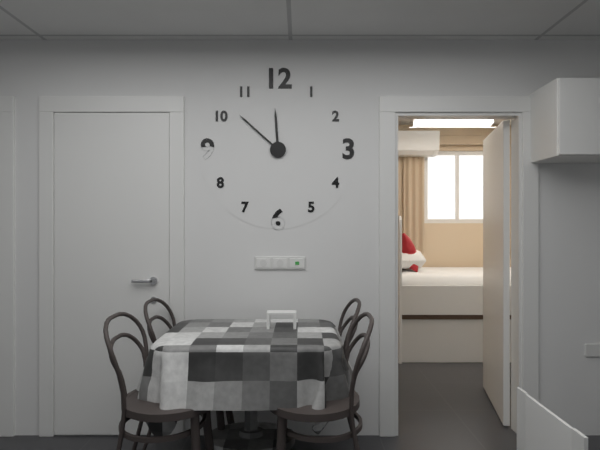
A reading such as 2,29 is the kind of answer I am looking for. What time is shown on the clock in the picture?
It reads 11,52
